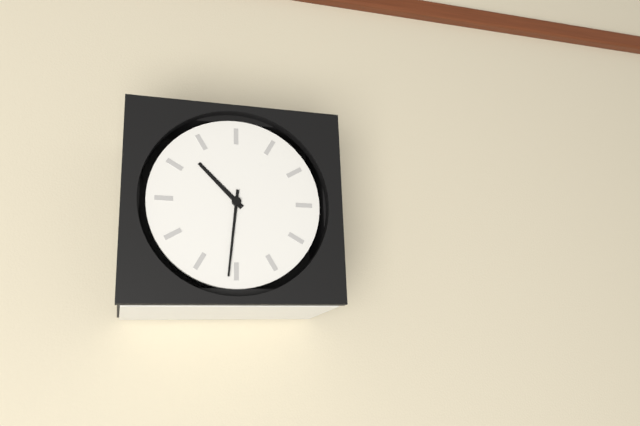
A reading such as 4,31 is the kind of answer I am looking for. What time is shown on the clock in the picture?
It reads 10,31
